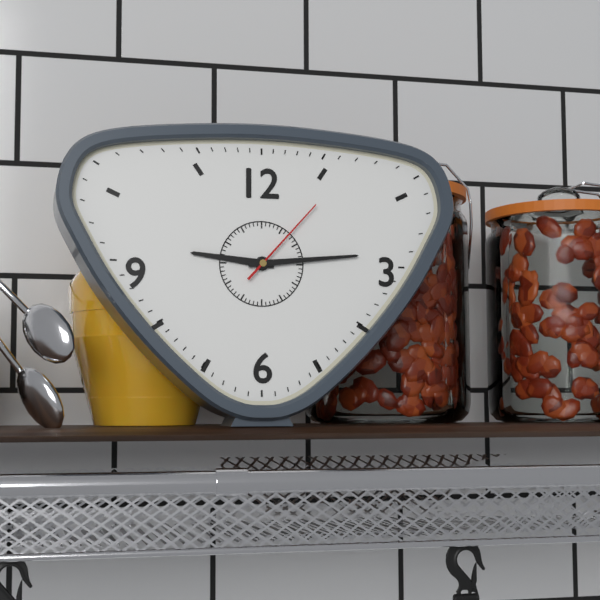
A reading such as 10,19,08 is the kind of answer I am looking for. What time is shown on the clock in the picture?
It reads 9,14,07
